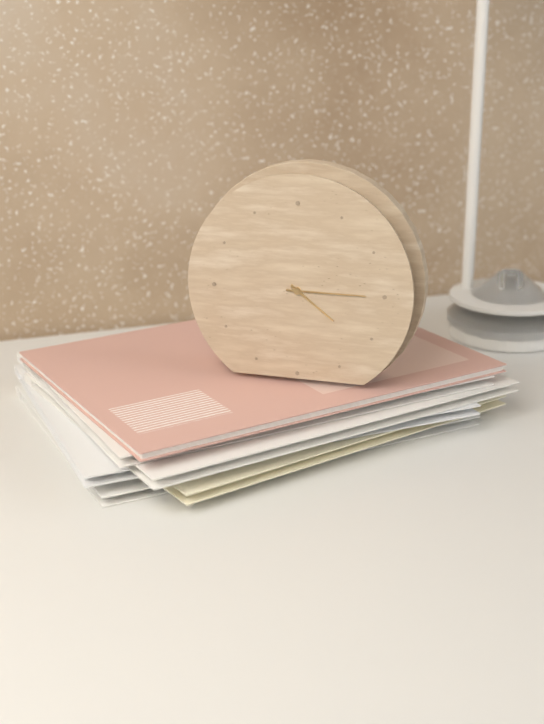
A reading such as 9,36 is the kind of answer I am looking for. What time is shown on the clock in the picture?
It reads 4,15
